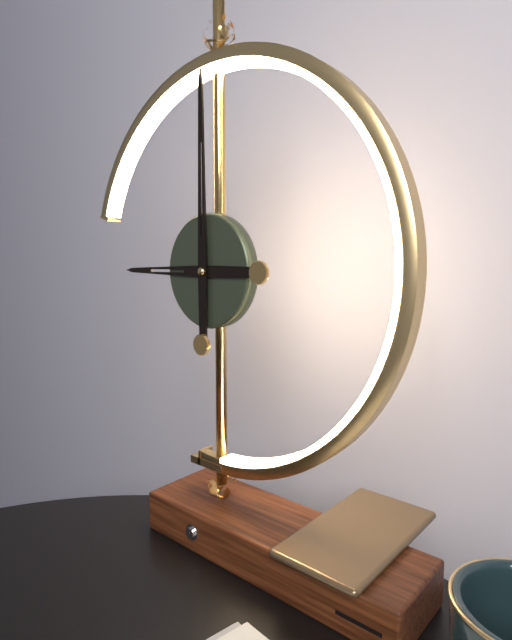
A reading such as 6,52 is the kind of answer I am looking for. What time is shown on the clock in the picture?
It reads 9,00
